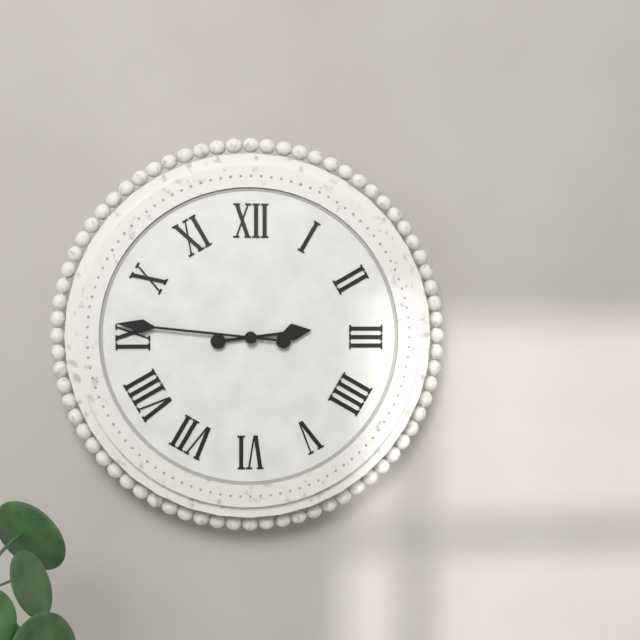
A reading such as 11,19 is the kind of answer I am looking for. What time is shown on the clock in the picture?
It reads 2,46
